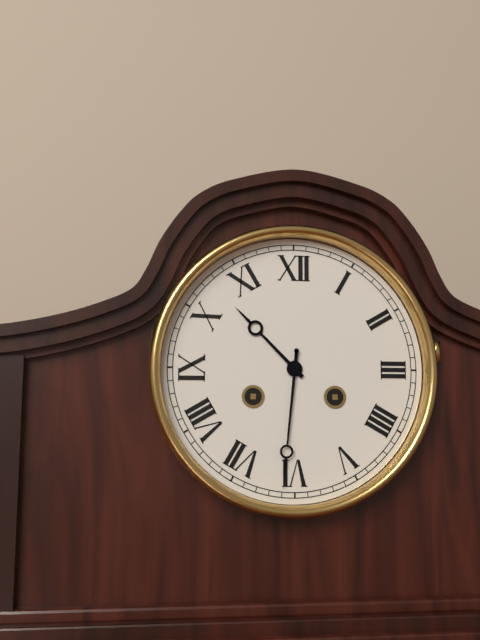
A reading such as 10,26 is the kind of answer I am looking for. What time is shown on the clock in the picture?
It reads 10,31
